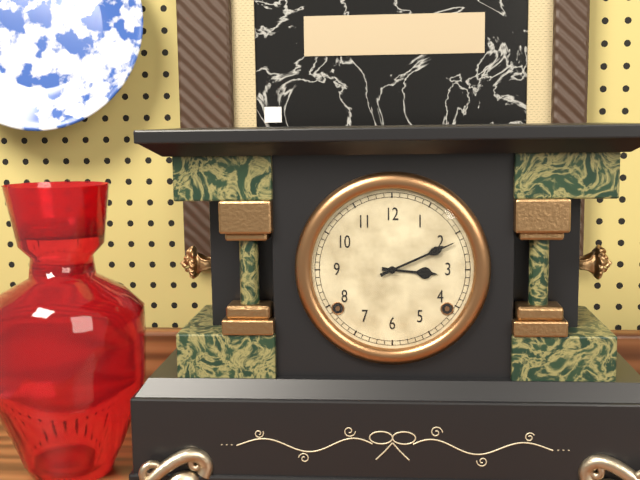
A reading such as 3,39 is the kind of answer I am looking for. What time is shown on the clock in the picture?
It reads 3,11
